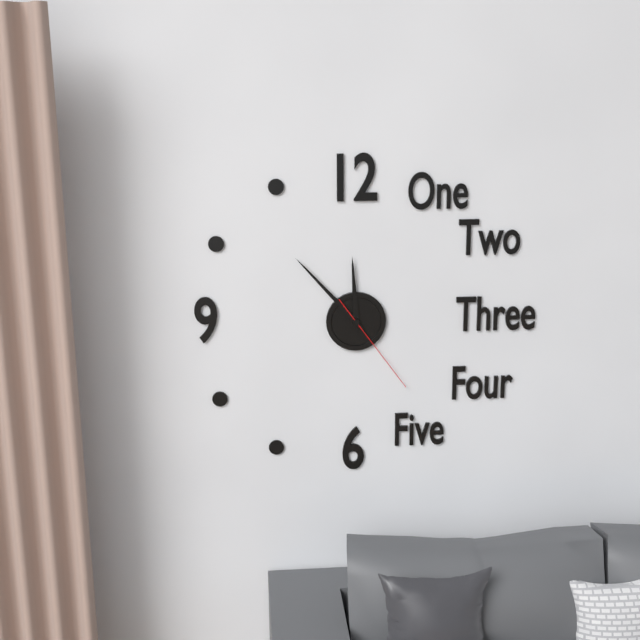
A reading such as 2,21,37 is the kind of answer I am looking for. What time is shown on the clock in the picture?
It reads 11,53,24
